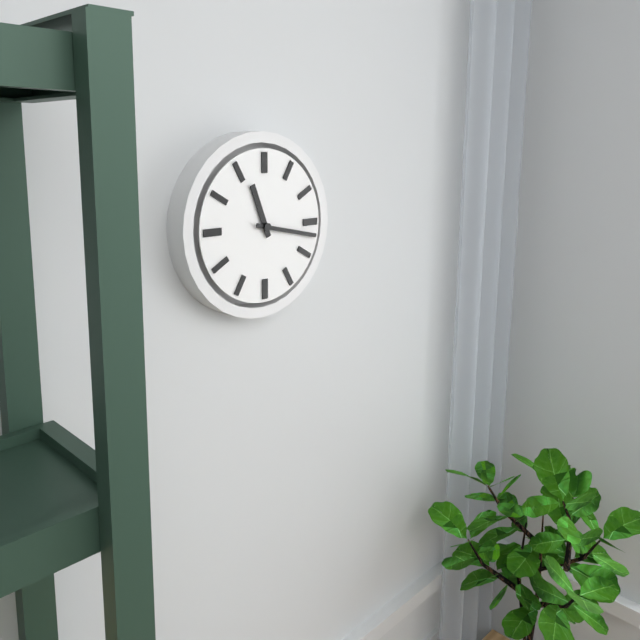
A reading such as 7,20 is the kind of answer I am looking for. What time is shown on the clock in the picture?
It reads 11,17
